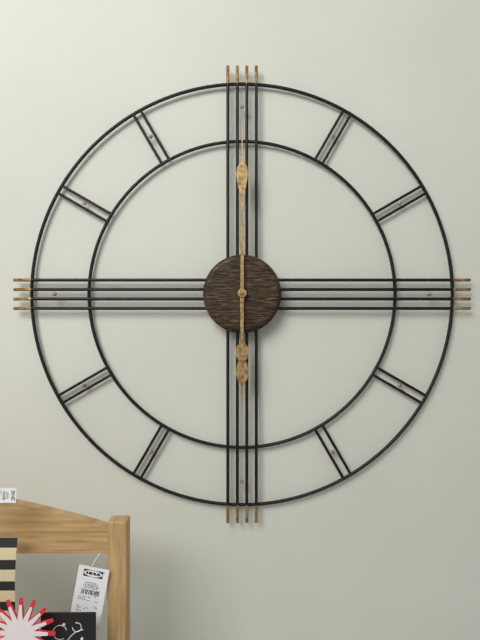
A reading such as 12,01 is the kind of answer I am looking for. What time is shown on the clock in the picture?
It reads 6,00
